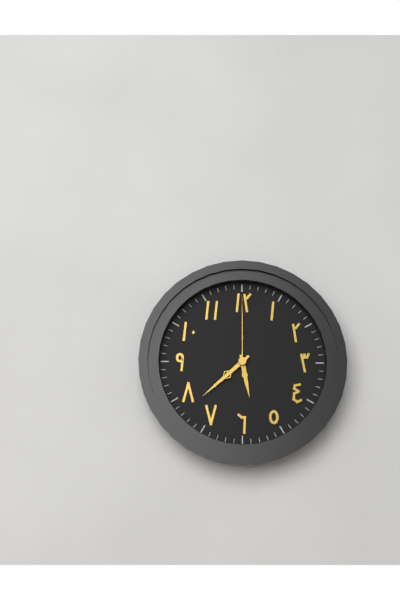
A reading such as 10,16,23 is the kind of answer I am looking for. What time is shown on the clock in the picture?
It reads 5,38,00
